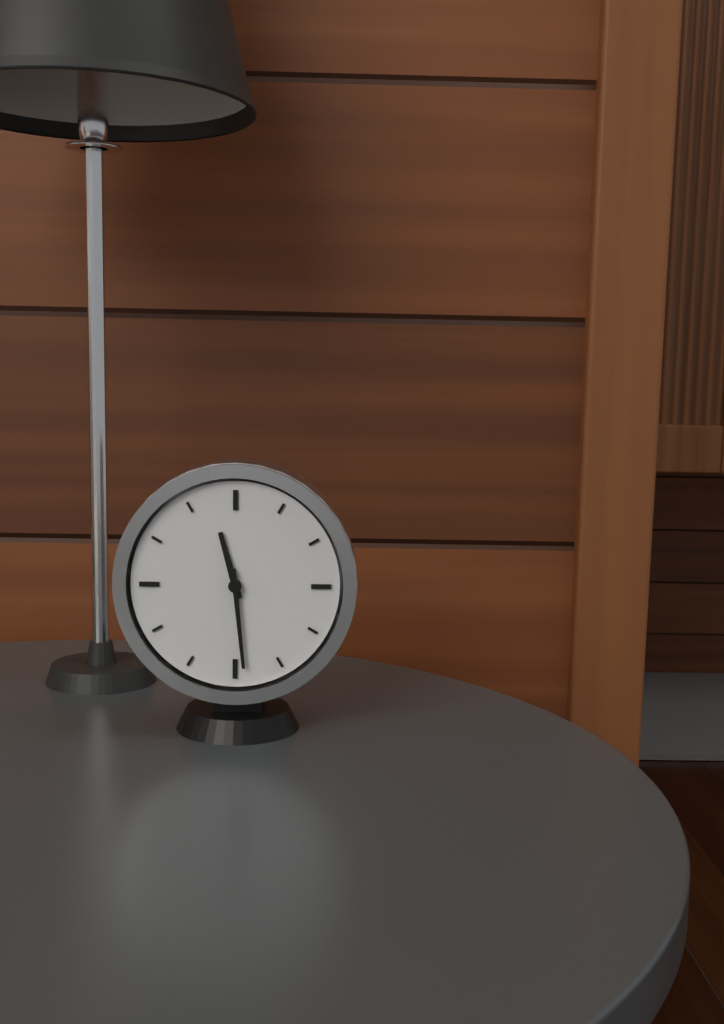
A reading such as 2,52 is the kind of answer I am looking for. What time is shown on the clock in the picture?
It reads 11,29
